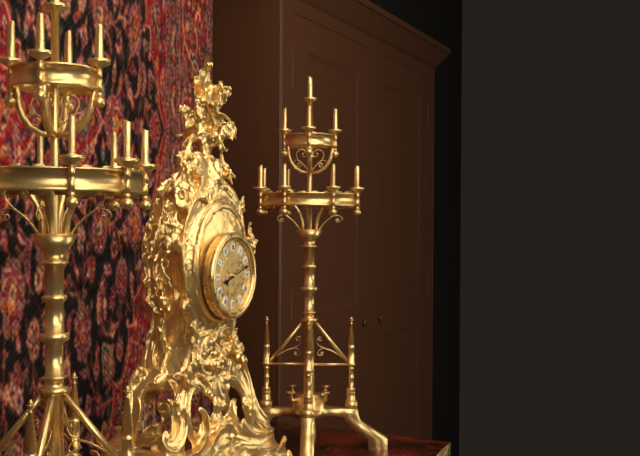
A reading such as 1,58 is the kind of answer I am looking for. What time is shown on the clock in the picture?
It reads 8,12
